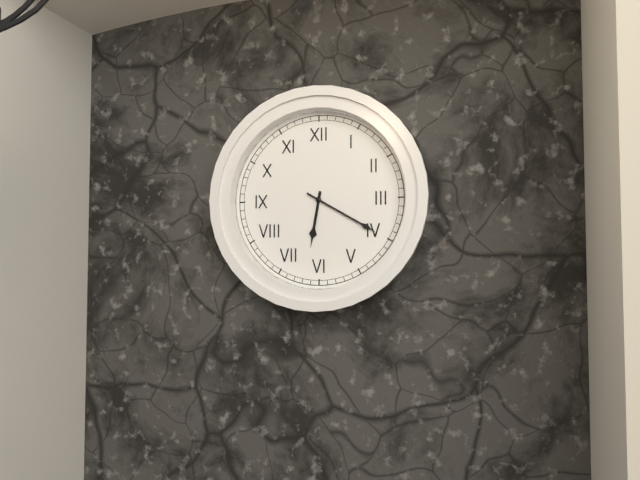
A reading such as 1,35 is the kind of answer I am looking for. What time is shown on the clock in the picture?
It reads 6,20
